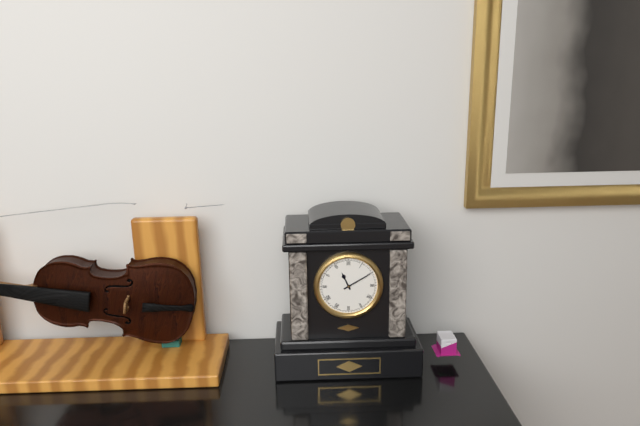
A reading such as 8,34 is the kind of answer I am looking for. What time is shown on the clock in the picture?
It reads 11,10
